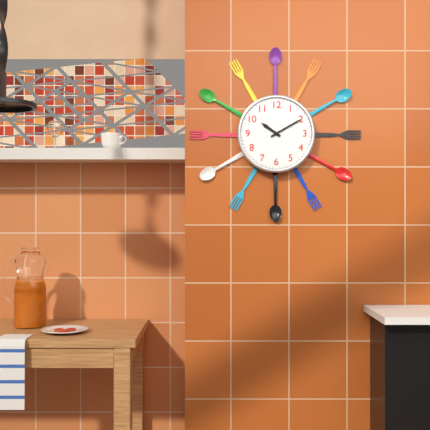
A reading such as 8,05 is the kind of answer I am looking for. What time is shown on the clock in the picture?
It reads 10,10
